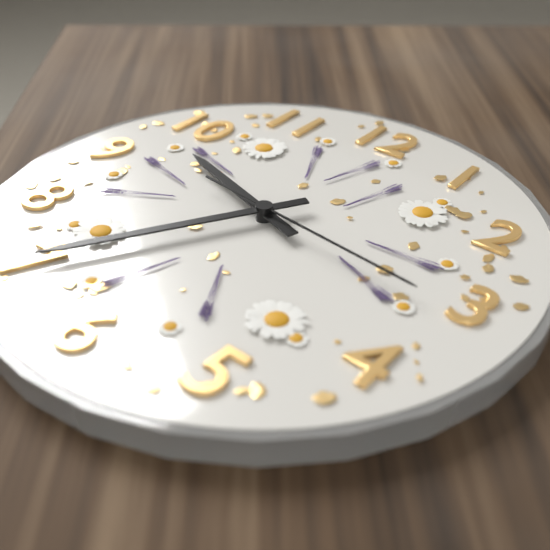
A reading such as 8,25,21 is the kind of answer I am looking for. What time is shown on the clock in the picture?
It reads 9,35,16
